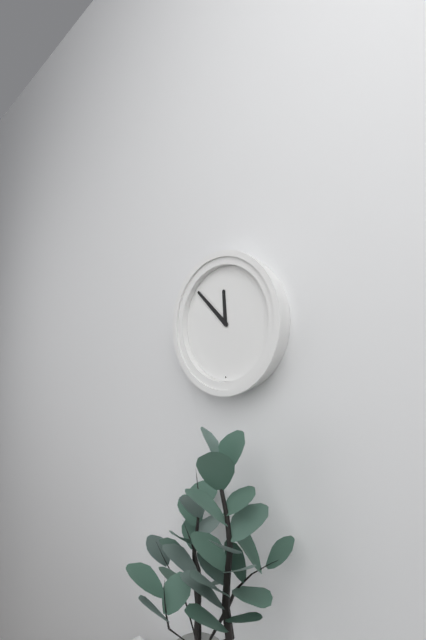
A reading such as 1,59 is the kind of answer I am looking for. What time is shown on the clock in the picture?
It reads 11,52
